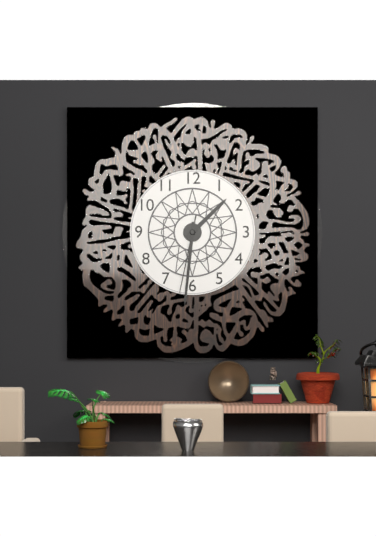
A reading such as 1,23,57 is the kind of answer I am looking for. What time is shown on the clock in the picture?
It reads 1,31,32
